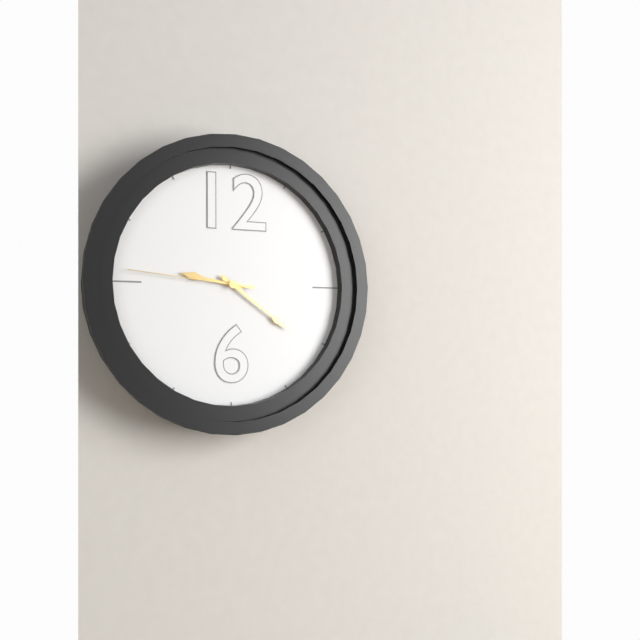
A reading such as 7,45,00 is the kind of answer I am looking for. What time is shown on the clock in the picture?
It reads 9,21,46
